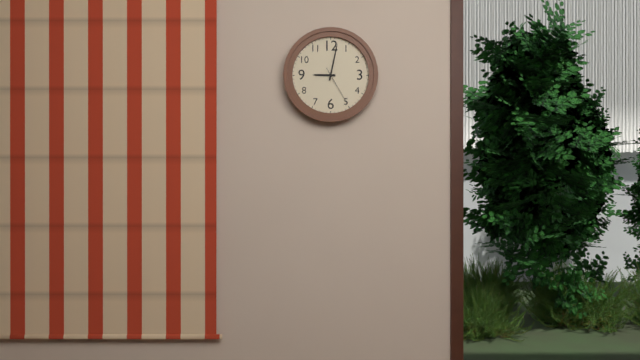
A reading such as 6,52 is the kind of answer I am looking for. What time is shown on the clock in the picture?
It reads 9,02
